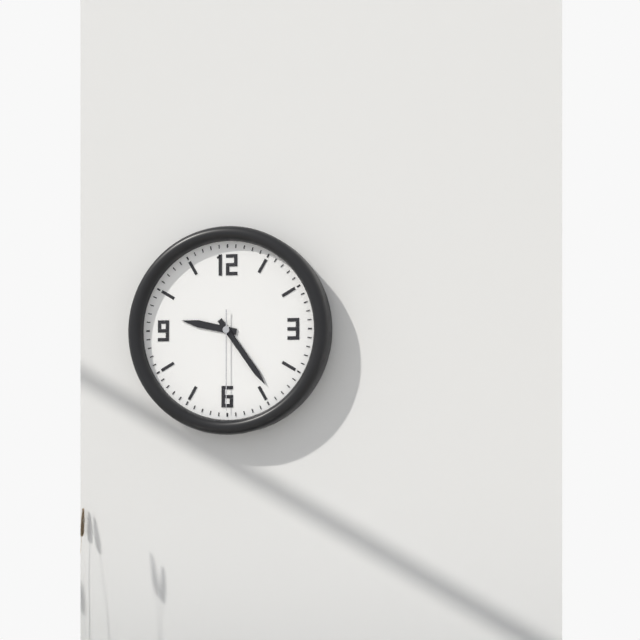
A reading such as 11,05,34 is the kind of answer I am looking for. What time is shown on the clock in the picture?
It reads 9,24,30
